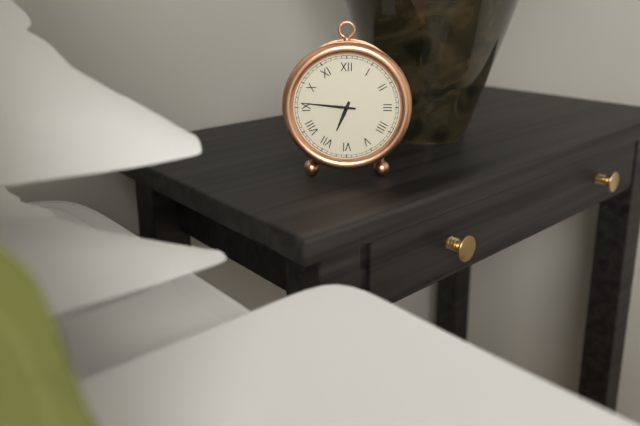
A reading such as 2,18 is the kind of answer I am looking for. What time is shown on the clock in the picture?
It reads 6,46
